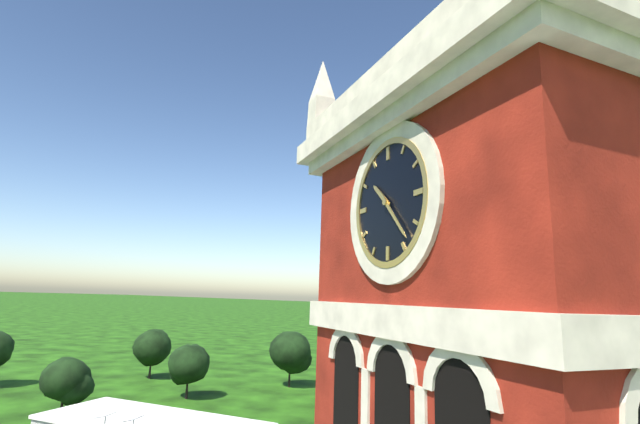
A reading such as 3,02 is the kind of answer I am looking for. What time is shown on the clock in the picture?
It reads 10,23
